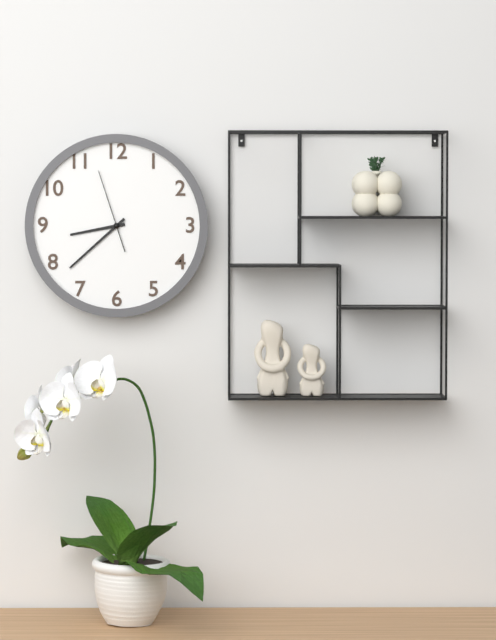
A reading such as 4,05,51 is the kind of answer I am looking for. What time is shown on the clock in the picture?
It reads 8,38,57
